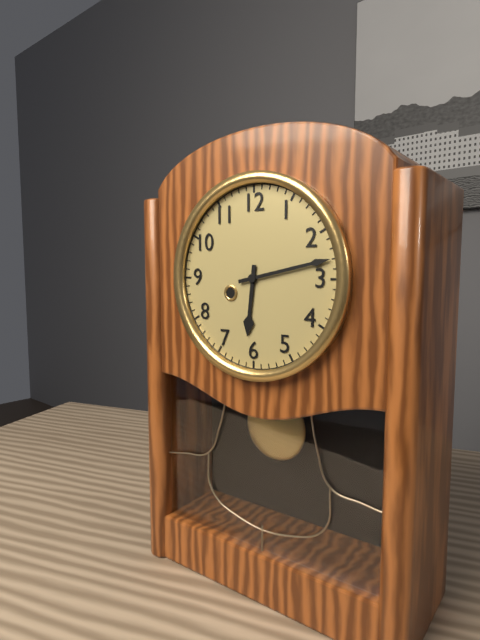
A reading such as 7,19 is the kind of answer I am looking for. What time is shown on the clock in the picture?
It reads 6,13
